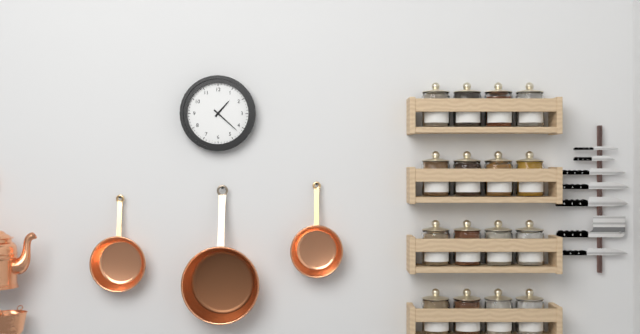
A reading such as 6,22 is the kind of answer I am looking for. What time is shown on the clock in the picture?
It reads 1,22
